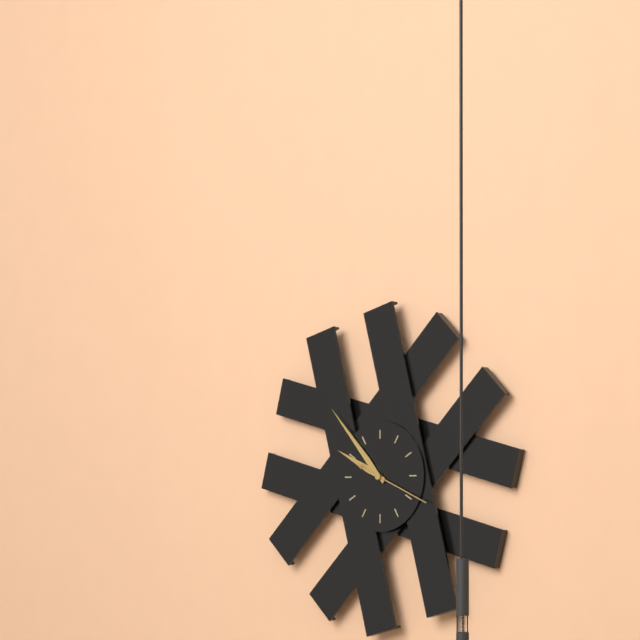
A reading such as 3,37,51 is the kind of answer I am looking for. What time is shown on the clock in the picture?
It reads 9,53,19
